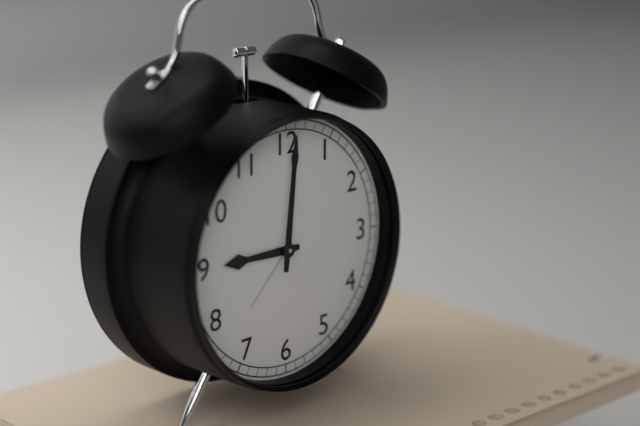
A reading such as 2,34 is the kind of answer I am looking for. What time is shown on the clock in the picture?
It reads 9,01
